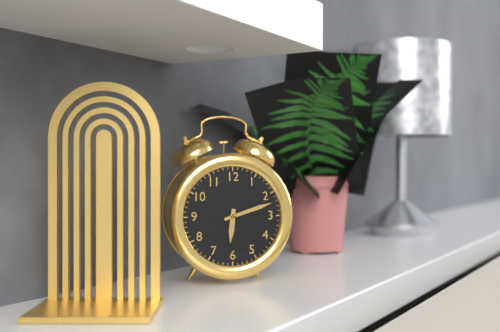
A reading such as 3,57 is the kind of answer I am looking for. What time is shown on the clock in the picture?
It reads 6,12
